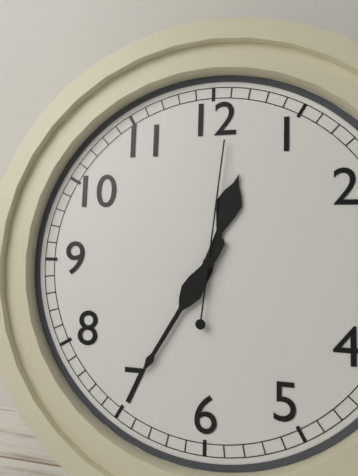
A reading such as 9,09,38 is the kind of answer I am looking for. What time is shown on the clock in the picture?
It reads 12,35,01
